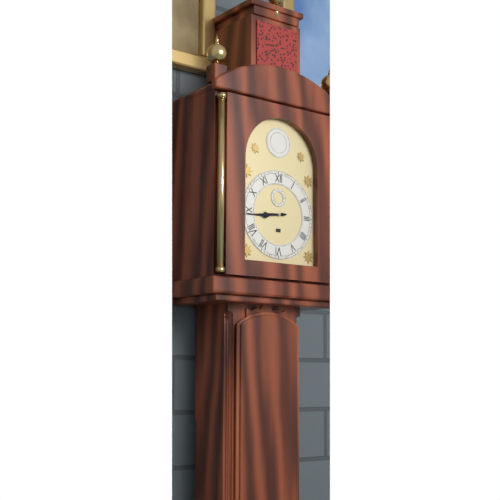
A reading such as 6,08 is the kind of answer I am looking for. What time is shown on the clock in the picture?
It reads 8,44
